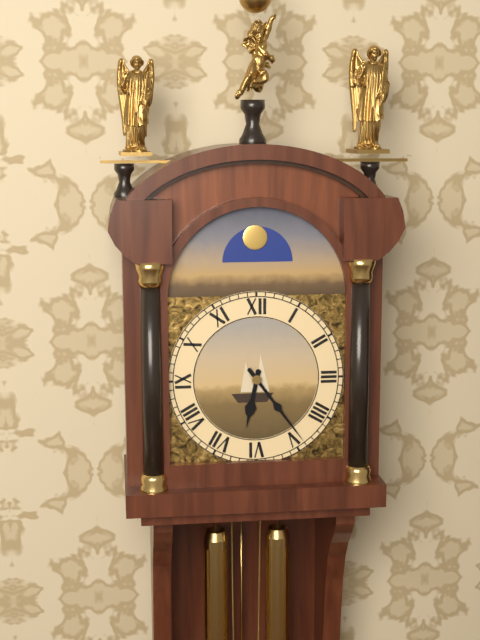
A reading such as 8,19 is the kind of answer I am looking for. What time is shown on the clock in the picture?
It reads 6,24
